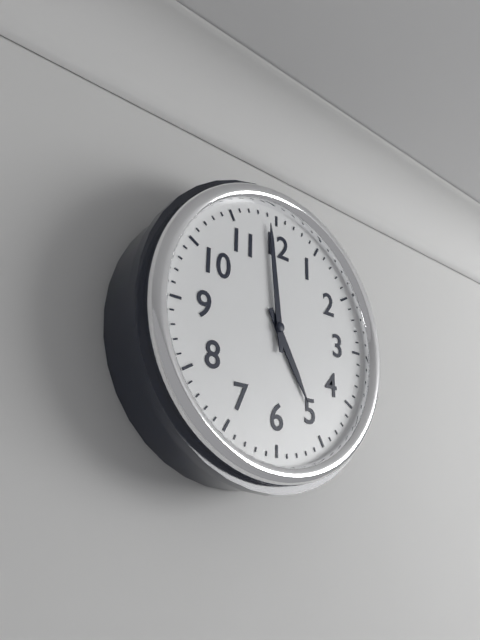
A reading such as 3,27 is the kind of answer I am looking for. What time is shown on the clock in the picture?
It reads 4,59
